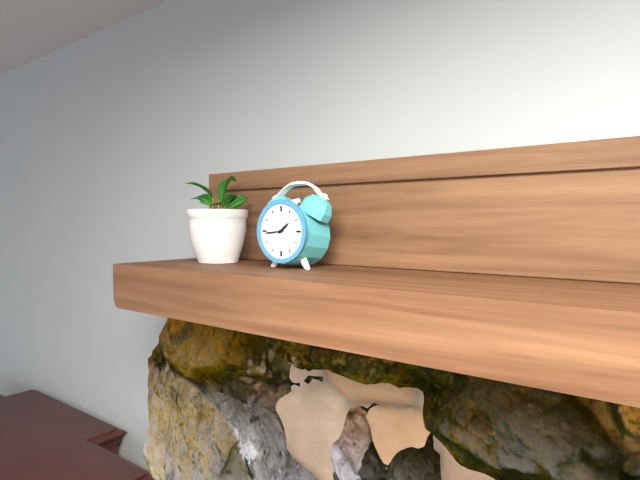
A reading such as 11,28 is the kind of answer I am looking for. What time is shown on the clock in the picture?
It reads 1,44
